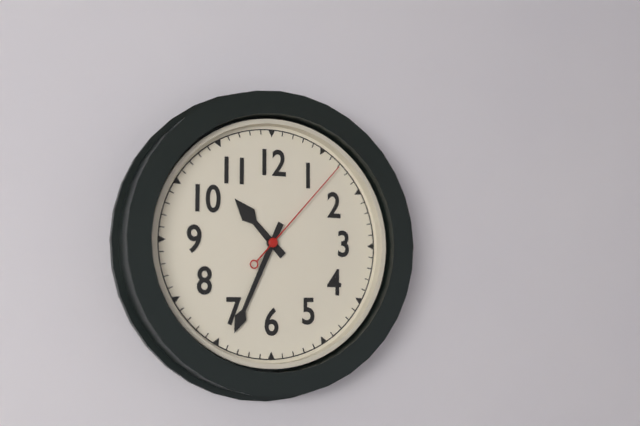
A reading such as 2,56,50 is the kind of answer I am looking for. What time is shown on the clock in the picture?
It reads 10,34,07
